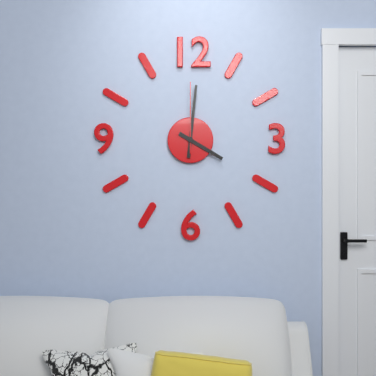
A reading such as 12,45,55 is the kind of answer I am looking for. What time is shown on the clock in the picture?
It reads 4,01,00
